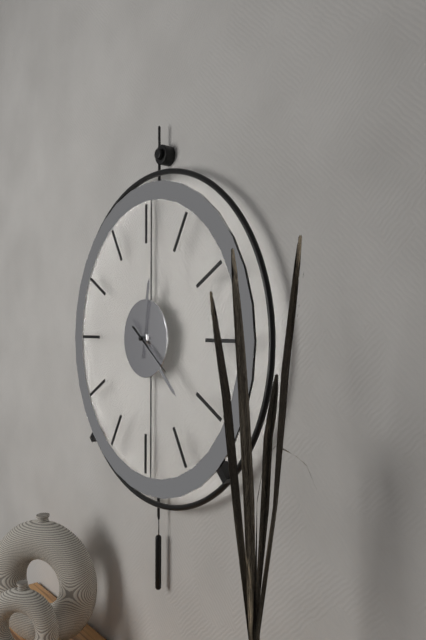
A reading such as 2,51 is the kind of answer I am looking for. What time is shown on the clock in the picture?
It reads 12,22
